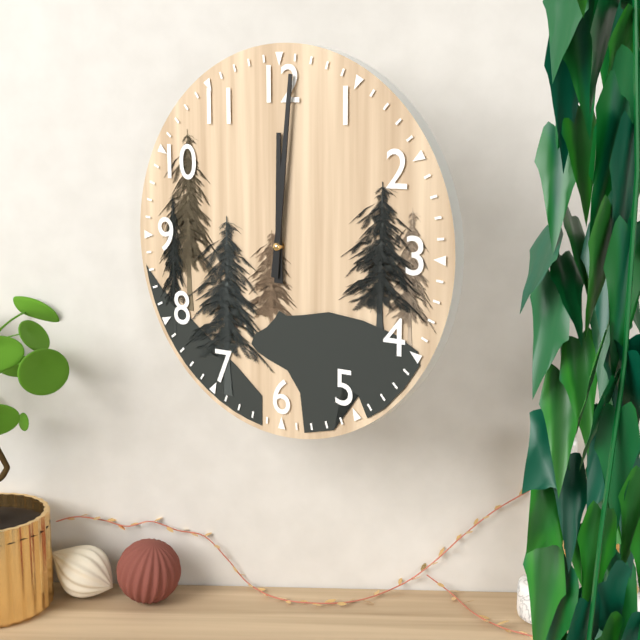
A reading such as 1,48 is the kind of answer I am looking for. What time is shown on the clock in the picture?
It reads 12,01
